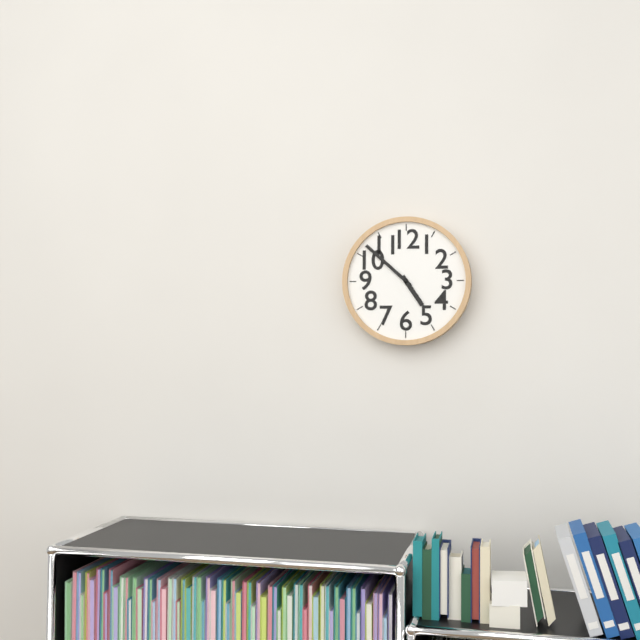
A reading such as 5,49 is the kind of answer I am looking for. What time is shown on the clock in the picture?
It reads 4,52
